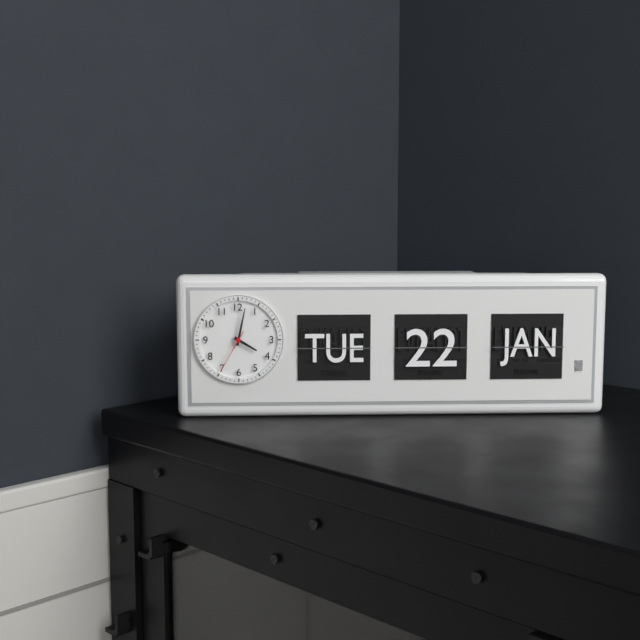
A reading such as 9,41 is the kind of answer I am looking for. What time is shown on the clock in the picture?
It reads 4,02
